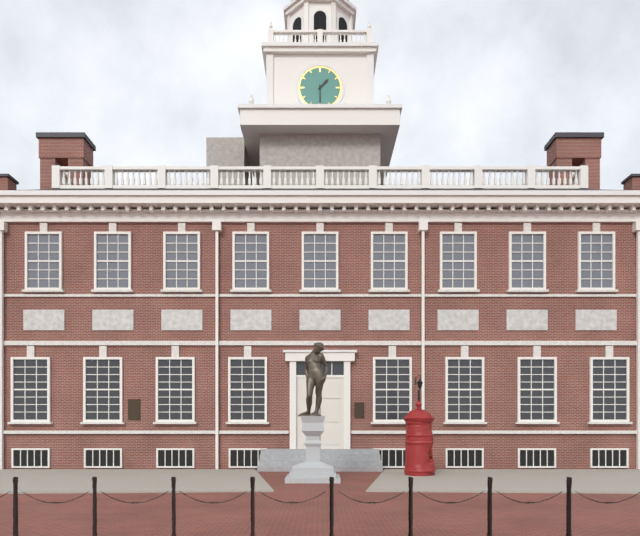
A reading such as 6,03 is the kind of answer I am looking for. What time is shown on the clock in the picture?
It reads 1,30
